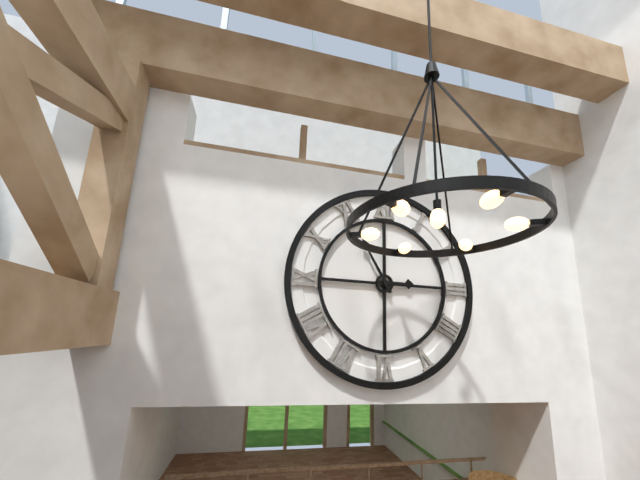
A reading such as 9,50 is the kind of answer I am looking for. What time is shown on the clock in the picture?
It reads 2,55
